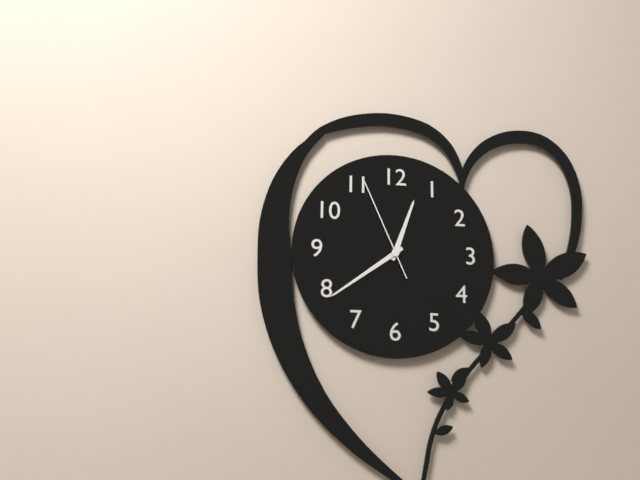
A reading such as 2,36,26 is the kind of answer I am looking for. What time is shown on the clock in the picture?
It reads 12,39,56
